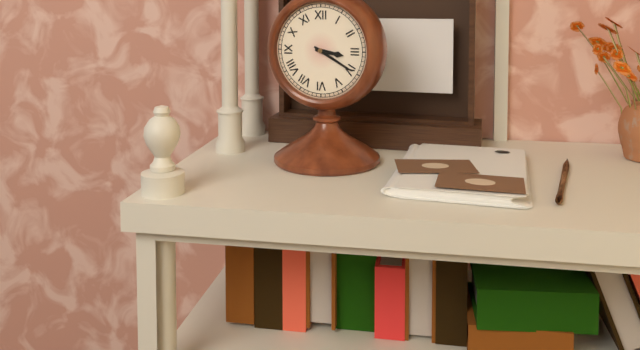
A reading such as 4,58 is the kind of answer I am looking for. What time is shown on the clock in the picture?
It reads 3,20
